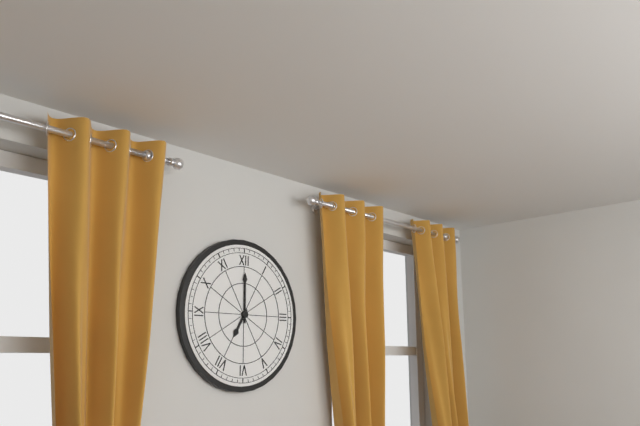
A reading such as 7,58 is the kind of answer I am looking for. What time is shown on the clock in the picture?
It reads 7,00
